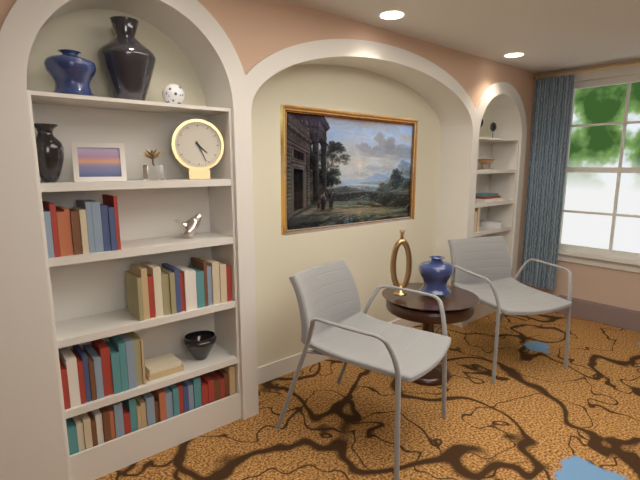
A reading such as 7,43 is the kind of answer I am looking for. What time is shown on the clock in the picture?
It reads 4,26
